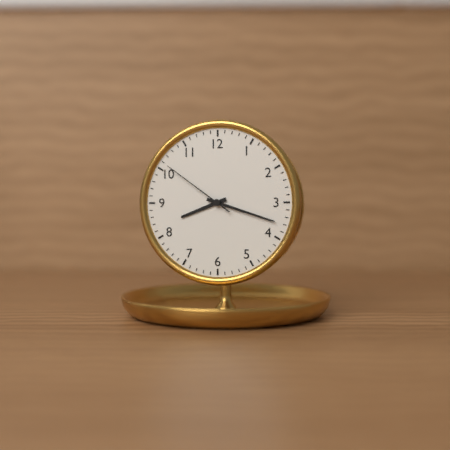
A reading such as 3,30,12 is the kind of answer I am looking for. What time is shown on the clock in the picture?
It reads 8,18,51
